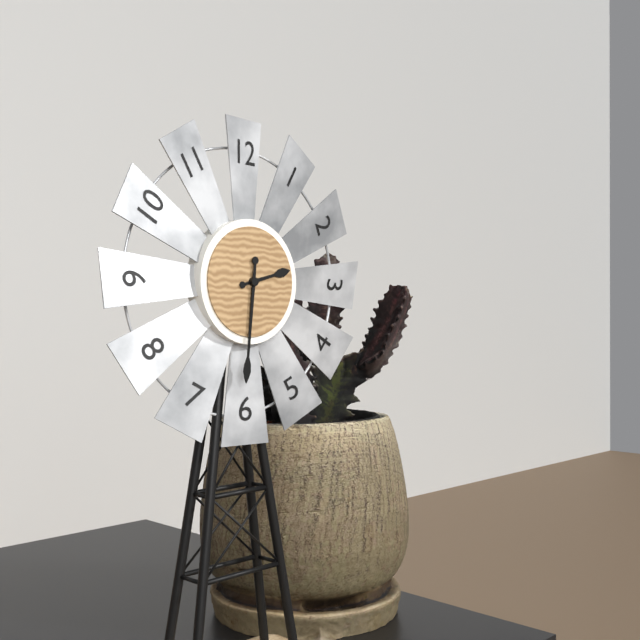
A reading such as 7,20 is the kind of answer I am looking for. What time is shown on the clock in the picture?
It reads 2,31
